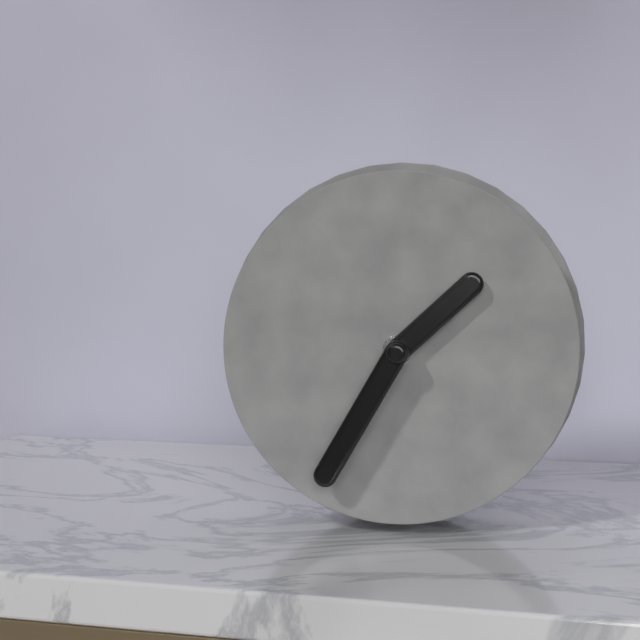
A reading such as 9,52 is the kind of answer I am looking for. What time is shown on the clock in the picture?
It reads 1,35
